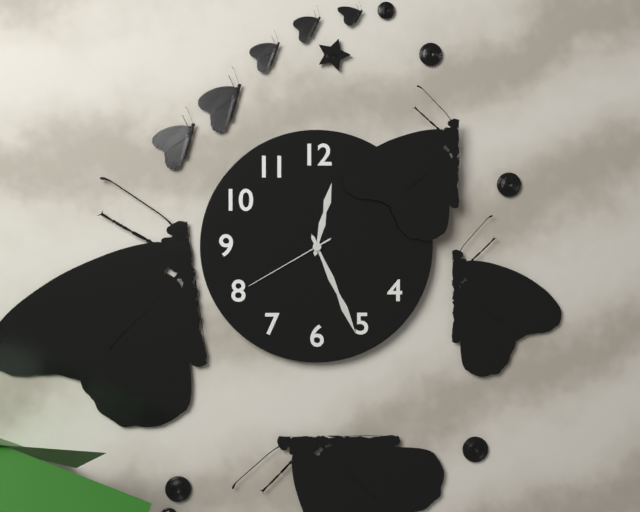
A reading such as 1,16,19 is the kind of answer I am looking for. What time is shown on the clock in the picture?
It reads 12,26,40
